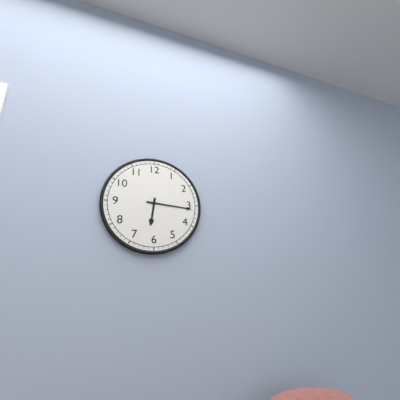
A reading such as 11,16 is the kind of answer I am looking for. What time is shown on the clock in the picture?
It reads 6,16
